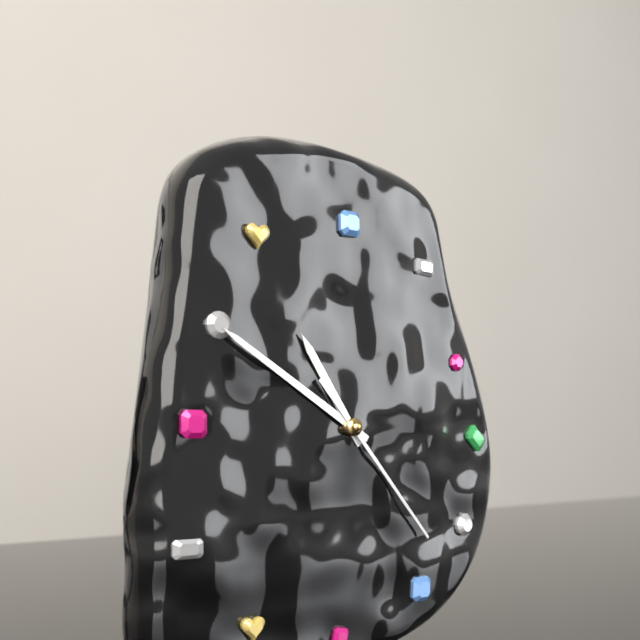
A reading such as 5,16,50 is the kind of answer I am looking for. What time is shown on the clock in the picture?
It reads 10,50,23
